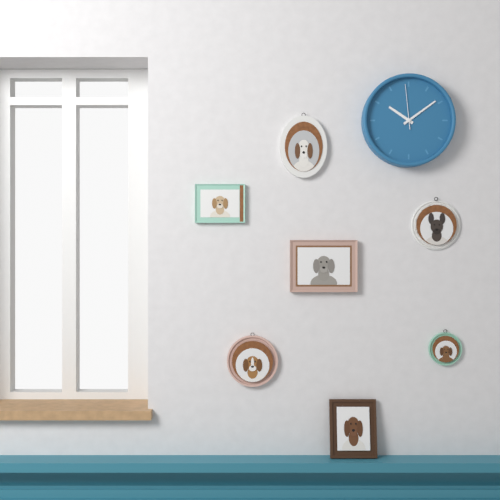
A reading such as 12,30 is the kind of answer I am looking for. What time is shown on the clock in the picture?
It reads 10,09
